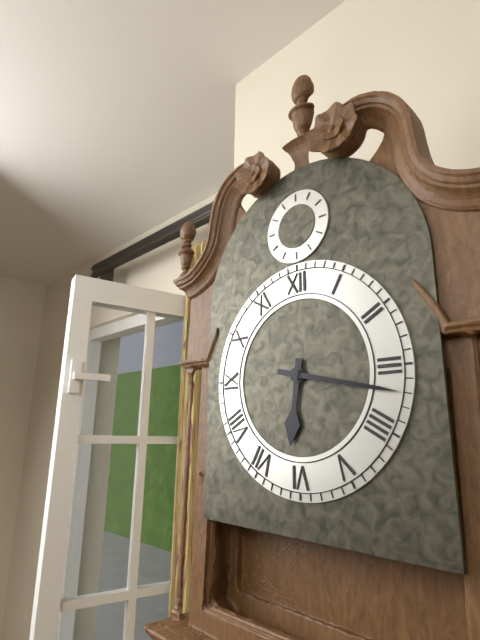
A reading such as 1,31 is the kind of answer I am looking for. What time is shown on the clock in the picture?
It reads 6,17
